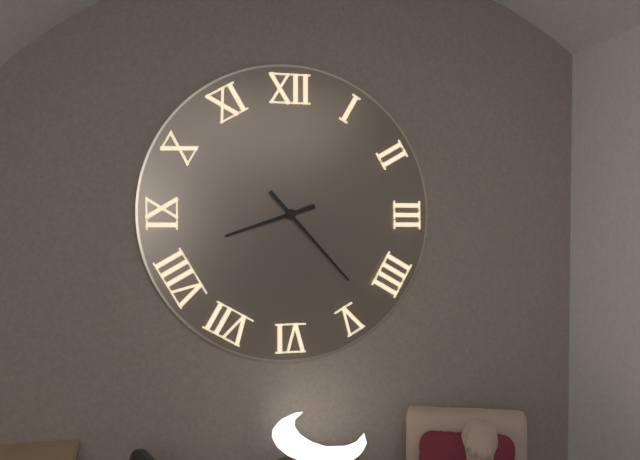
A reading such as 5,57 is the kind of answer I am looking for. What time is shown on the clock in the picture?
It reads 8,23
